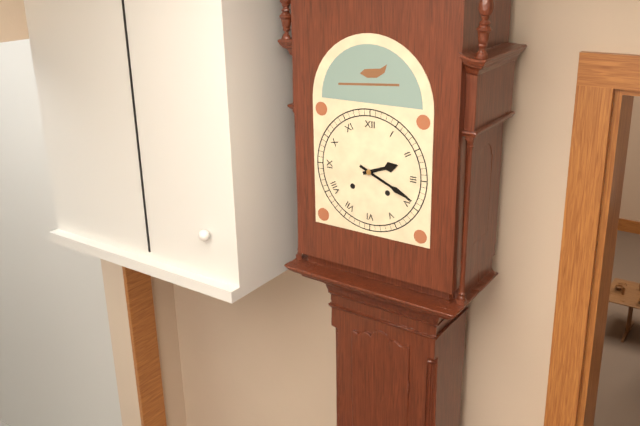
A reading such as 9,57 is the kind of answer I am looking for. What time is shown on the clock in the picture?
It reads 2,19
